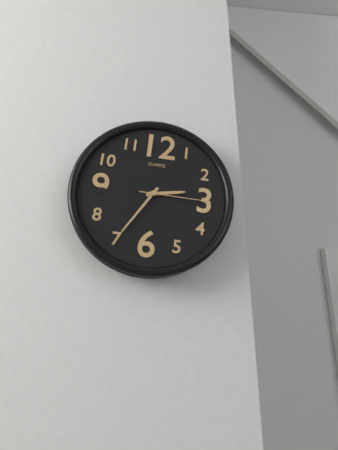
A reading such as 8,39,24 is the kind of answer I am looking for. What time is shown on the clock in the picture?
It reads 2,35,15
